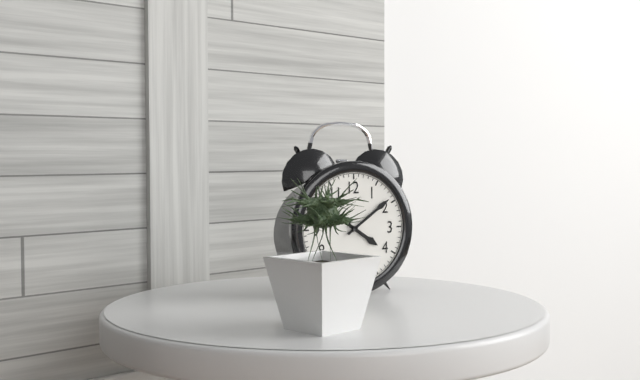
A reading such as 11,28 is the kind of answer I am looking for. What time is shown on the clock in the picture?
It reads 4,09
